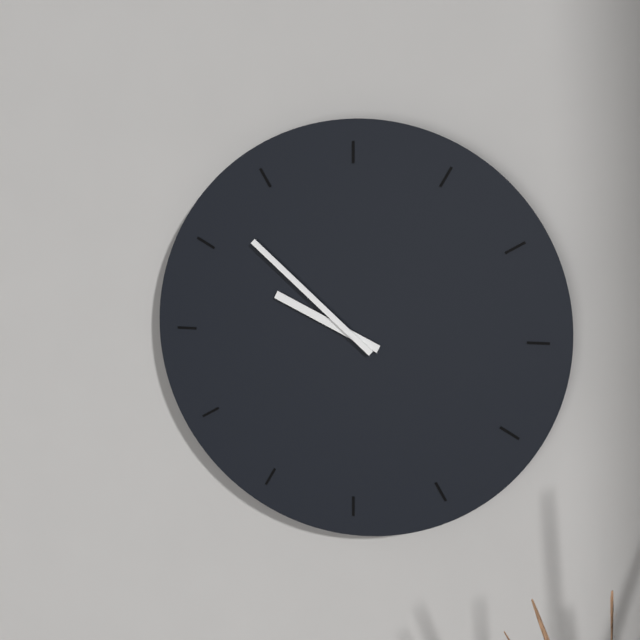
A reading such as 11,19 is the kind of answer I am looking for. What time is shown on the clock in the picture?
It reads 9,52
